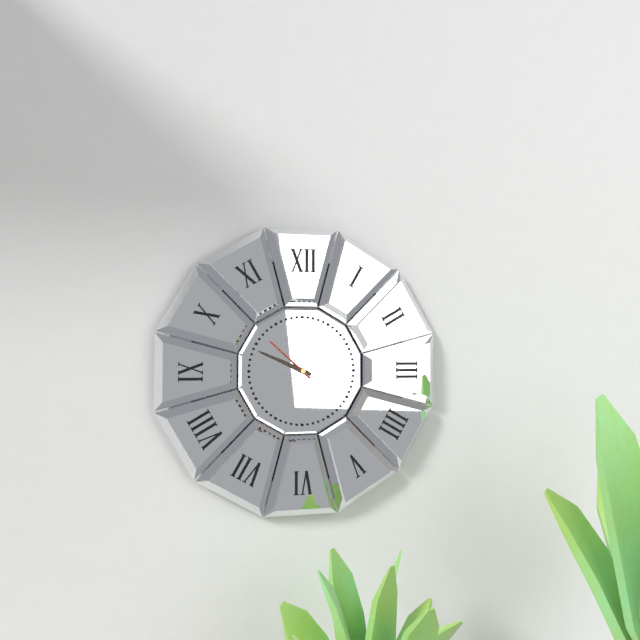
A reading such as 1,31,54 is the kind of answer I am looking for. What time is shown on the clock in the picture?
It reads 9,49,52
